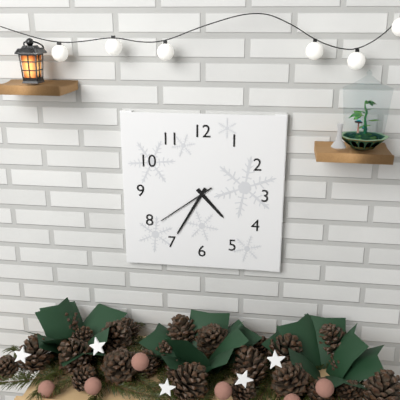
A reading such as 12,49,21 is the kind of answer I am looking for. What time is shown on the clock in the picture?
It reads 4,35,39
